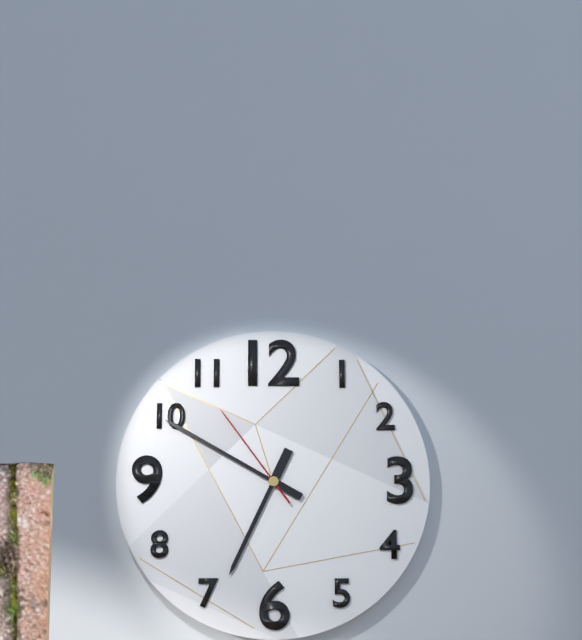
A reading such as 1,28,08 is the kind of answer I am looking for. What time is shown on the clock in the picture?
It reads 6,50,54
